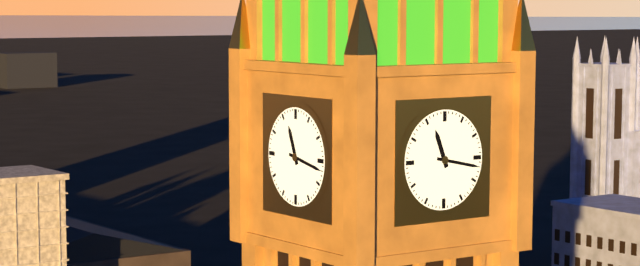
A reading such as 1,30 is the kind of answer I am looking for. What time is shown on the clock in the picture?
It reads 11,17
